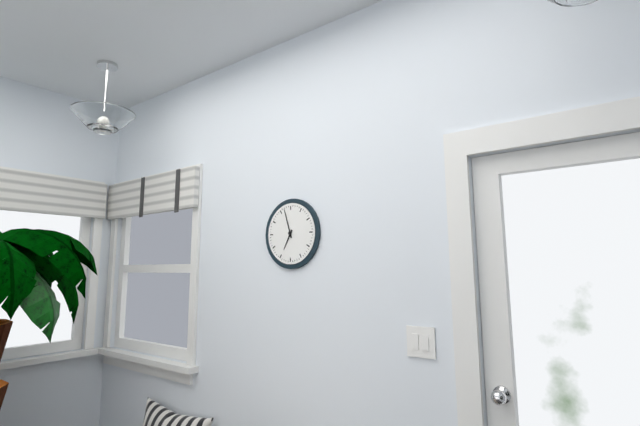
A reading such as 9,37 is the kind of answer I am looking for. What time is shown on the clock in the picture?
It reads 6,57
